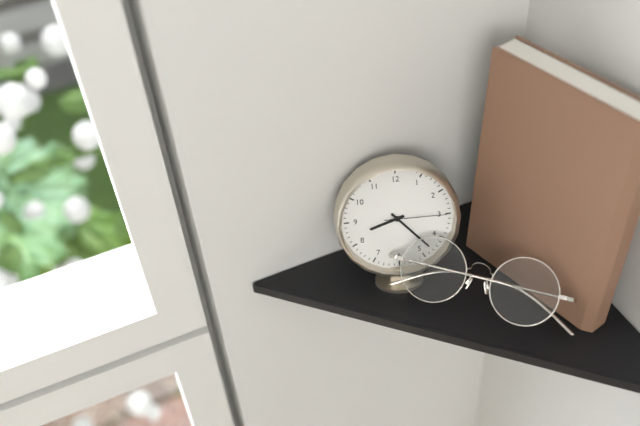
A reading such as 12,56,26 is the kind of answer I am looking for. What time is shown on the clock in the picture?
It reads 8,23,15
